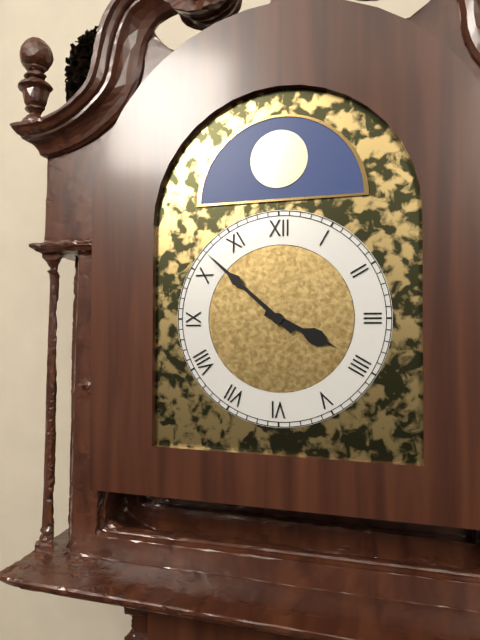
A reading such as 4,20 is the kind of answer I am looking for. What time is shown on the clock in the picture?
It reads 3,52
